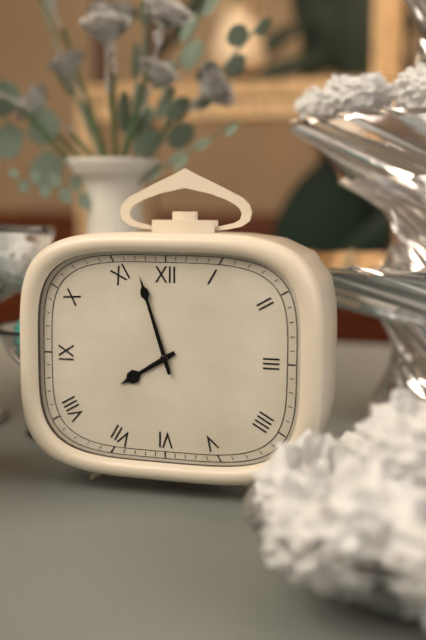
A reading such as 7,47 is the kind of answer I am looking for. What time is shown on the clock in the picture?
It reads 7,57
